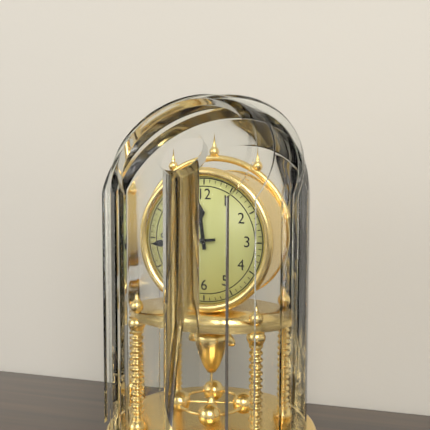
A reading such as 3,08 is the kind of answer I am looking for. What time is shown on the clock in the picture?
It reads 11,44
